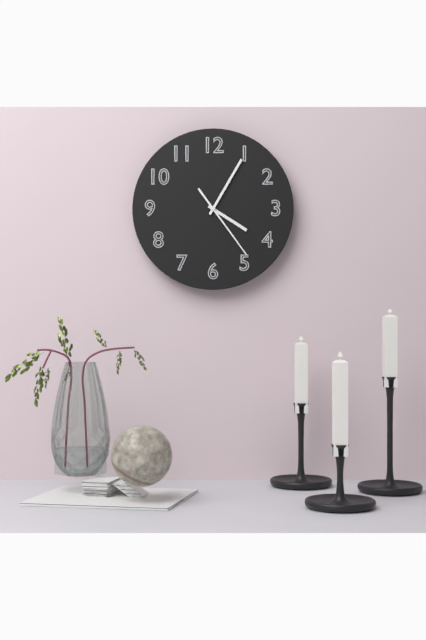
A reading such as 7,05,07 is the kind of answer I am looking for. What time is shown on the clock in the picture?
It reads 4,05,24
